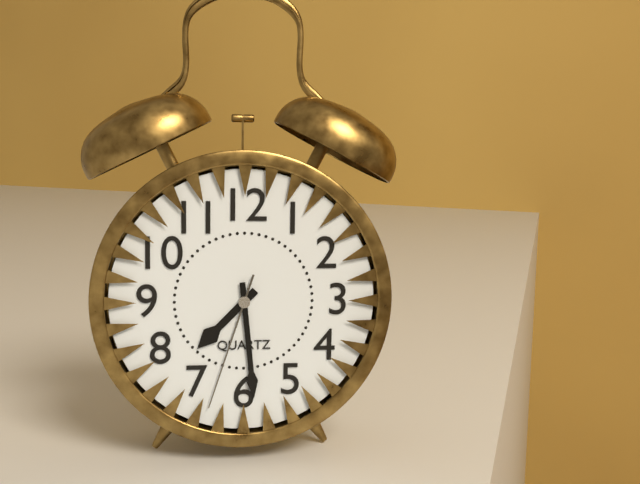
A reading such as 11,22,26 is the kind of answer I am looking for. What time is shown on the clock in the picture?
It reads 7,29,33
